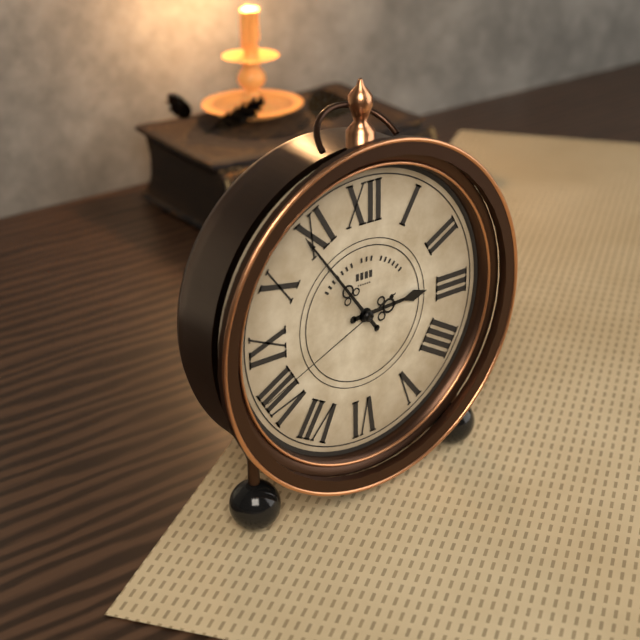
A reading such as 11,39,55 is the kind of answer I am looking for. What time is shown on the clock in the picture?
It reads 2,54,41
